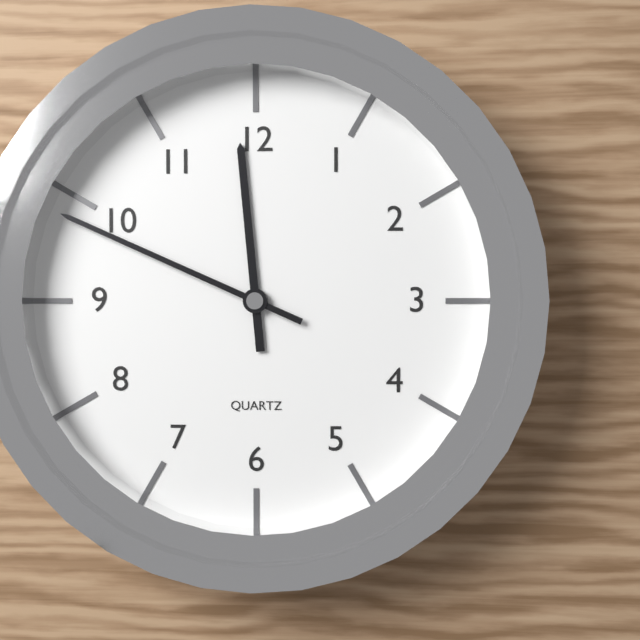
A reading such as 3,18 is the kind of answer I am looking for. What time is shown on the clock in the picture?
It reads 11,49
